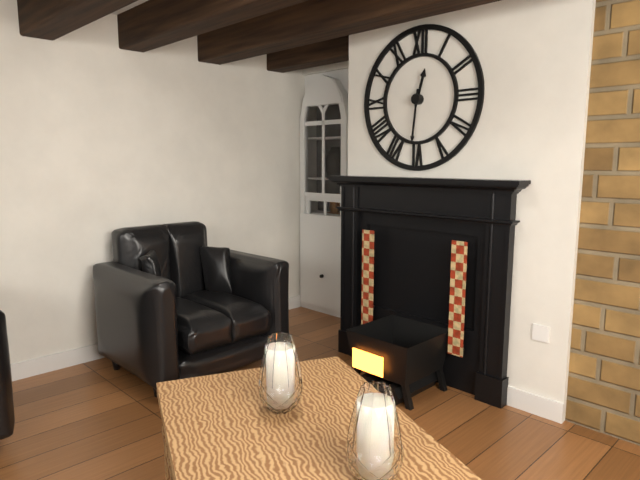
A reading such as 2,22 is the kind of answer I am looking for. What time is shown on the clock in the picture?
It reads 12,31
